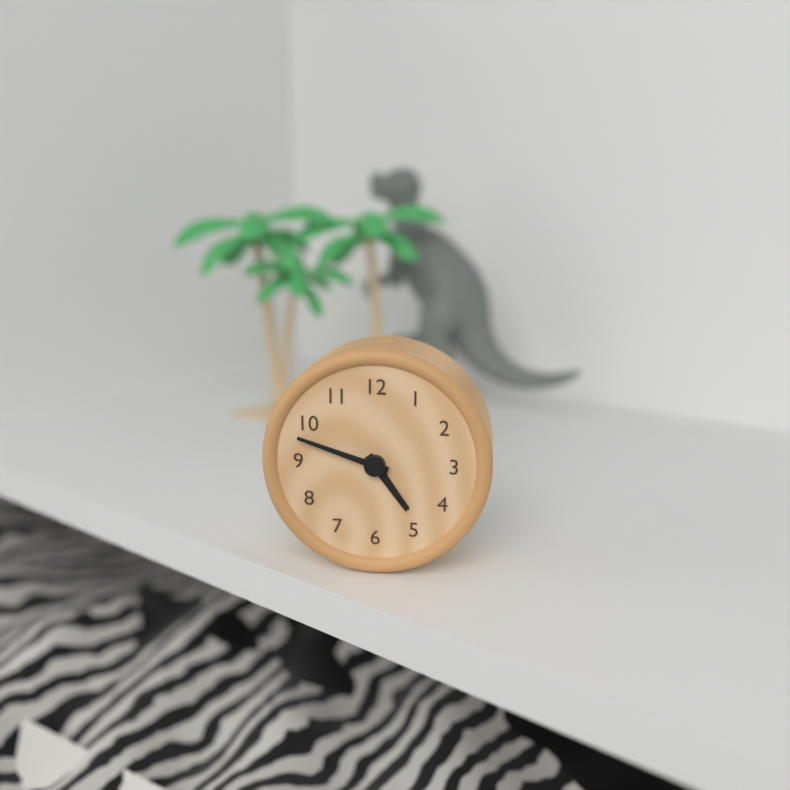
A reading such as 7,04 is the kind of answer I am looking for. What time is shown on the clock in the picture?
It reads 4,48
